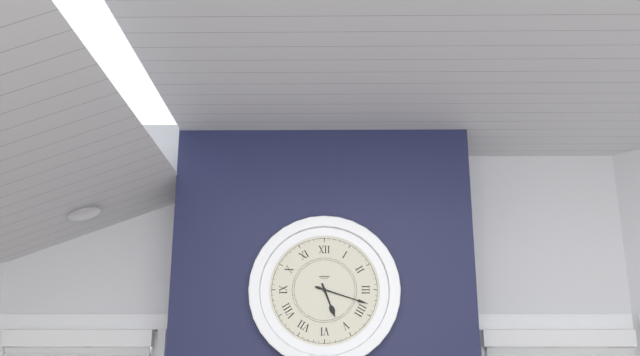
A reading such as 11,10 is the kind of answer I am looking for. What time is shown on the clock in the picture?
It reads 5,18
